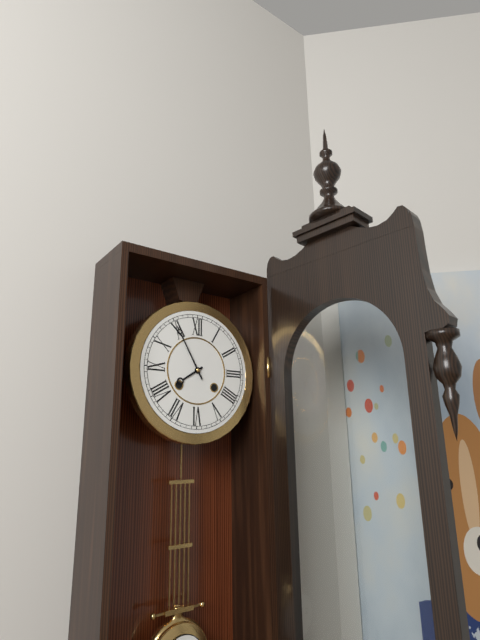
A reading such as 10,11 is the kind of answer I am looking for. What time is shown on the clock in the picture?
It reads 7,55
